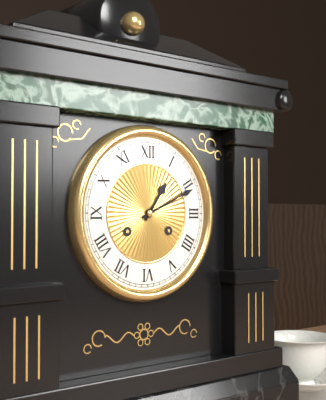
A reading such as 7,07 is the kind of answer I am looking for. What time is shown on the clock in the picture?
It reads 1,11
